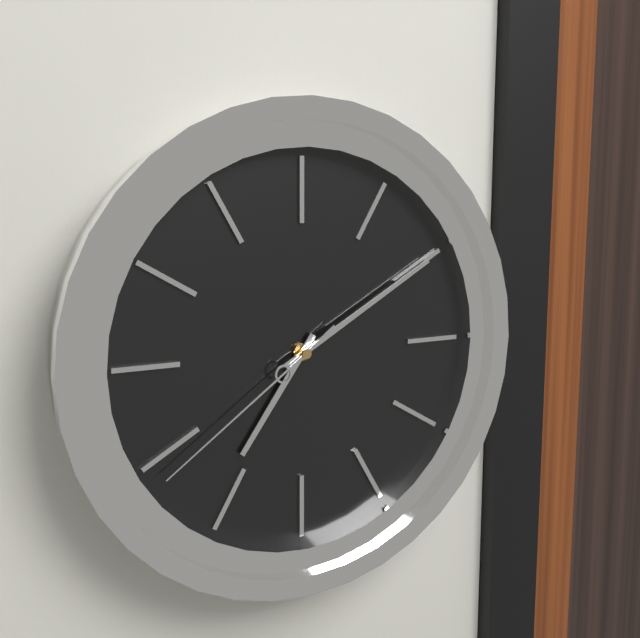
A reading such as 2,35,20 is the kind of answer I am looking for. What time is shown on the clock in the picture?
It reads 7,10,39
